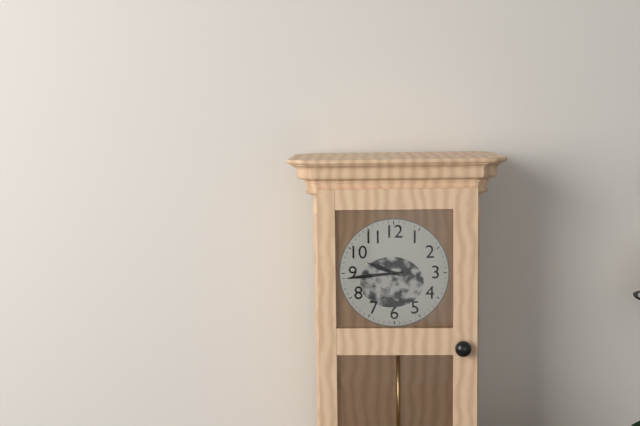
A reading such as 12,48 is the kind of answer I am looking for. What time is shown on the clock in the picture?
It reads 9,44
